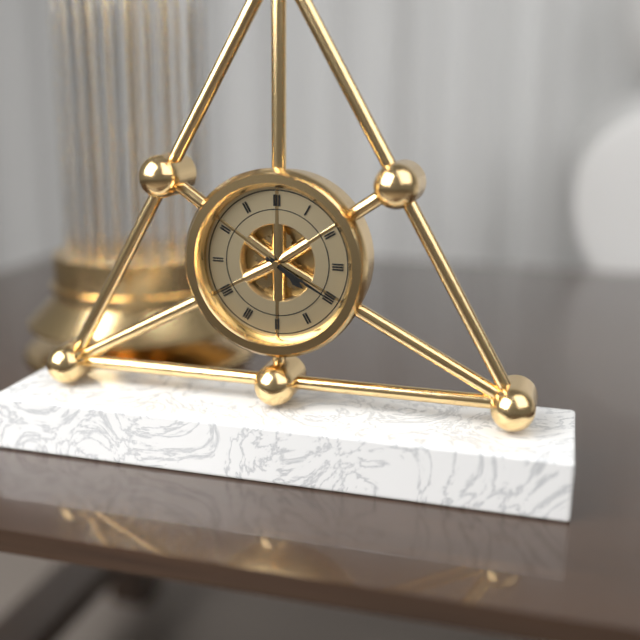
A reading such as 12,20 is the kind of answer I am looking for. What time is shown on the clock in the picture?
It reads 4,20
